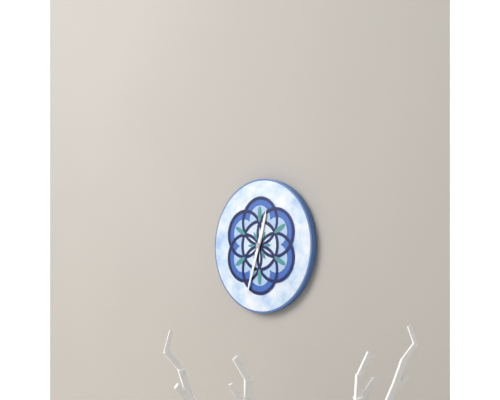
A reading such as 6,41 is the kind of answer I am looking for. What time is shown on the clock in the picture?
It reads 12,33
